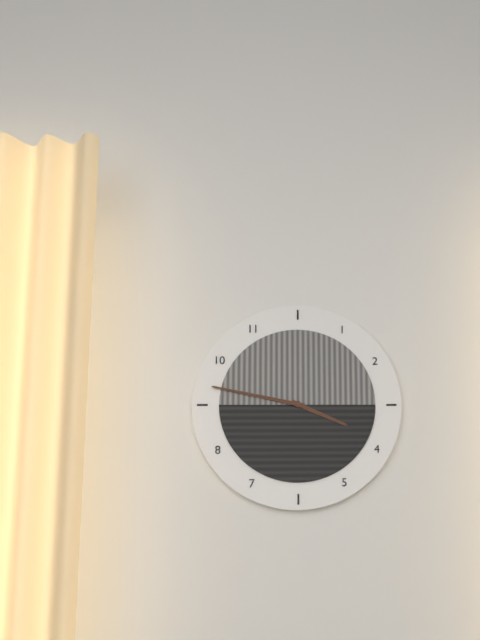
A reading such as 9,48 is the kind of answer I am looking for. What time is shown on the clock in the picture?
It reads 3,47
